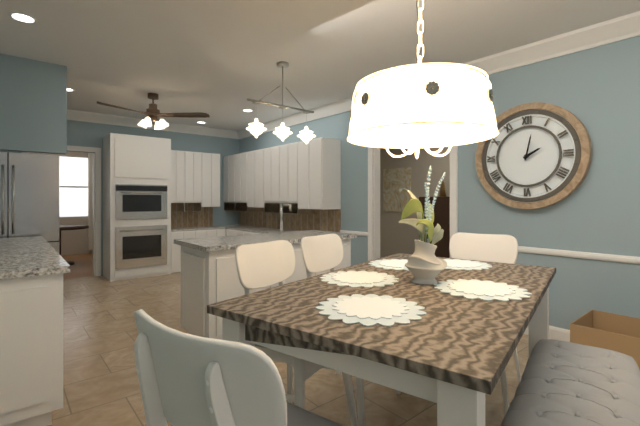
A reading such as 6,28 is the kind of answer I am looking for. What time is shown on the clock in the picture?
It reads 2,02
